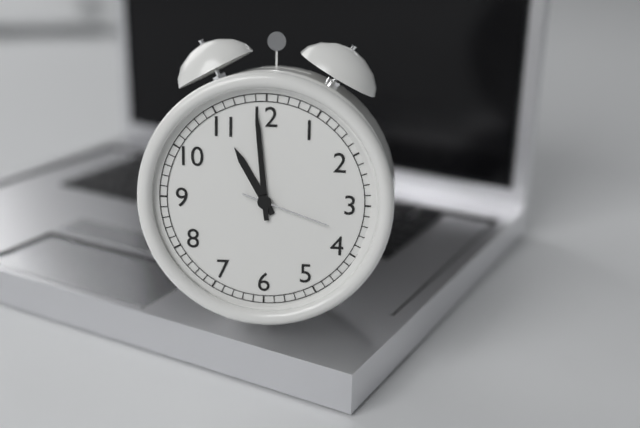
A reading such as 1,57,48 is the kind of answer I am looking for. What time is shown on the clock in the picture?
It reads 10,59,18
